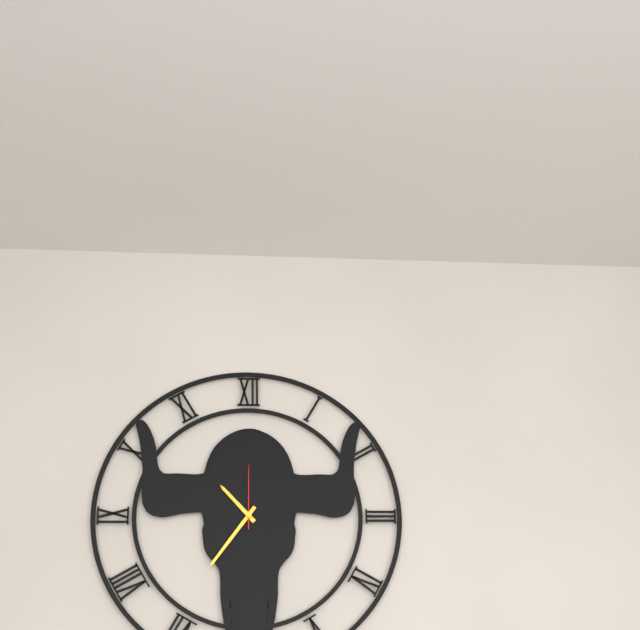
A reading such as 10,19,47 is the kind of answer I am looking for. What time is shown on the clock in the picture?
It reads 10,36,00
